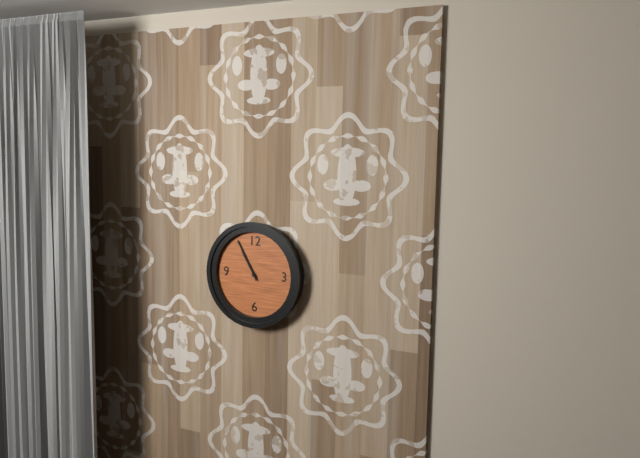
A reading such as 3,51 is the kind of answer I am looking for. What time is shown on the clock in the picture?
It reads 10,55
